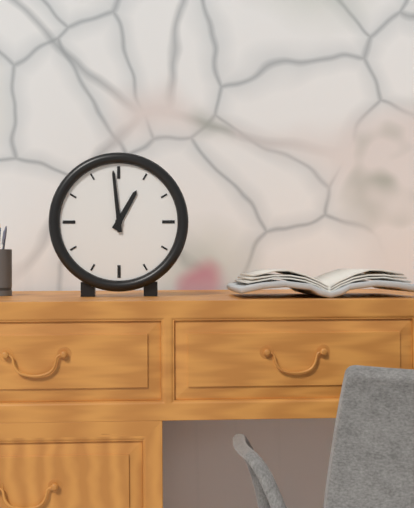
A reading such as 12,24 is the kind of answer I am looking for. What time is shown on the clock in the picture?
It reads 12,59
